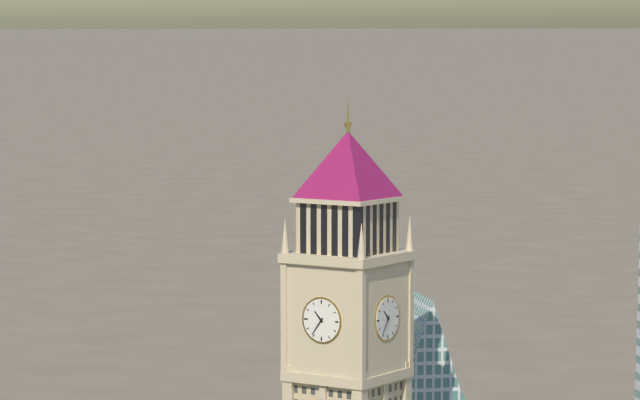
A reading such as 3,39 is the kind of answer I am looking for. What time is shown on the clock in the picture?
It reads 10,36
